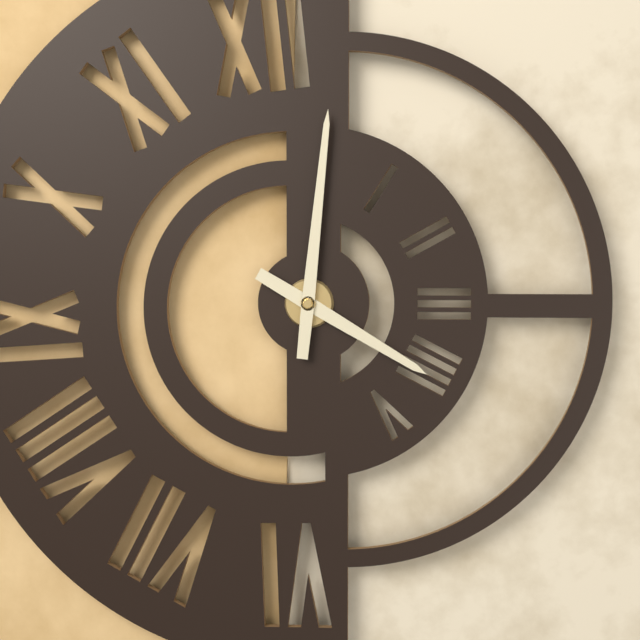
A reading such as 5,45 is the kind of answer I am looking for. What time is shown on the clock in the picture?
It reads 4,01
